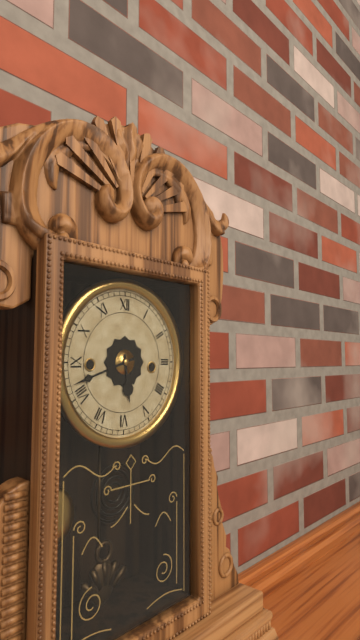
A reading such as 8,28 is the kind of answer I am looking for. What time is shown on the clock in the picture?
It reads 5,42
